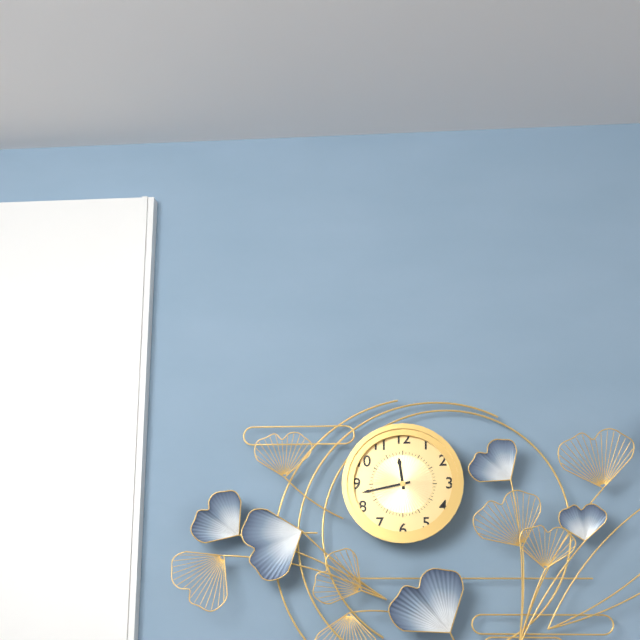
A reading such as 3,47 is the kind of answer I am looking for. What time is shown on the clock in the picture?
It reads 11,43
